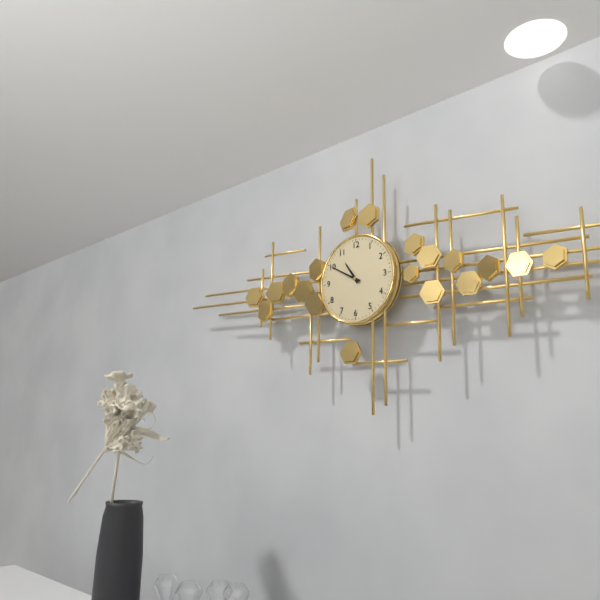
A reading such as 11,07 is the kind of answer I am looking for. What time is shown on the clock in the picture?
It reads 10,50
